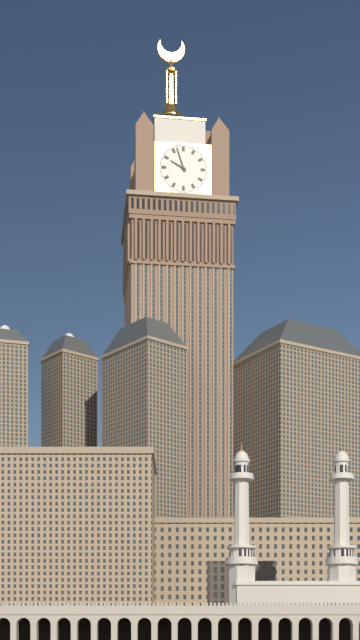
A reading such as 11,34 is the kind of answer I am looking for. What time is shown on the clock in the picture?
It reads 9,57
